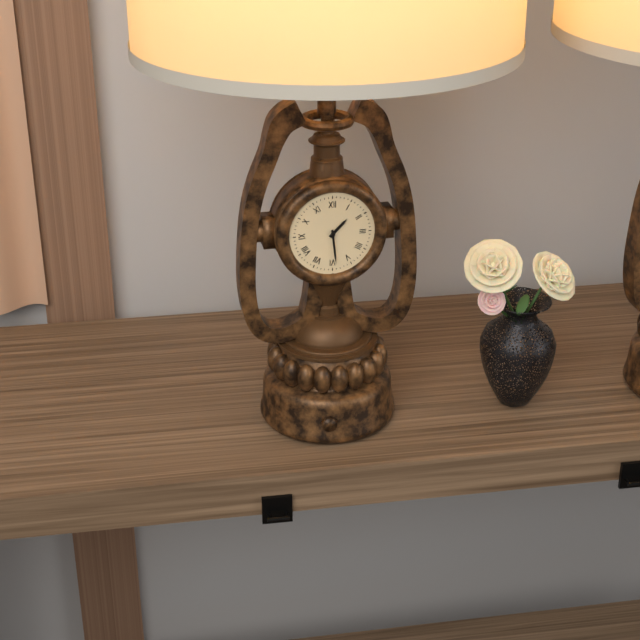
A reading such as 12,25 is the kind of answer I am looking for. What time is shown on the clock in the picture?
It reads 1,29
